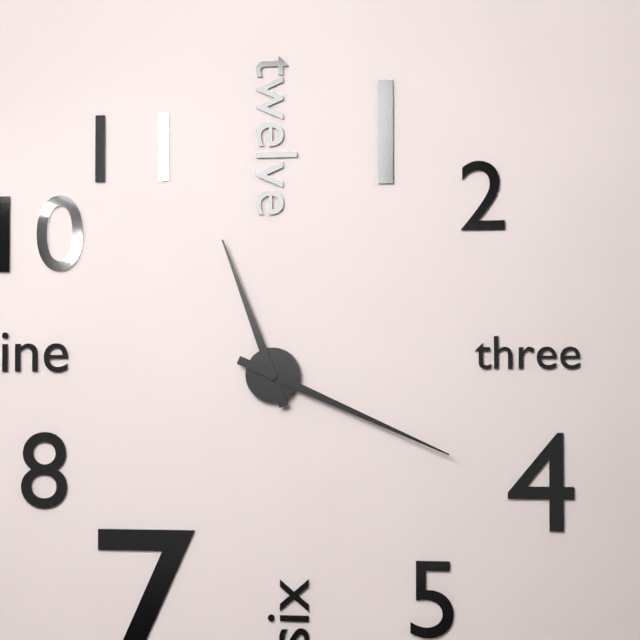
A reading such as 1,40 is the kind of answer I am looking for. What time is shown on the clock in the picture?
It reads 11,19
